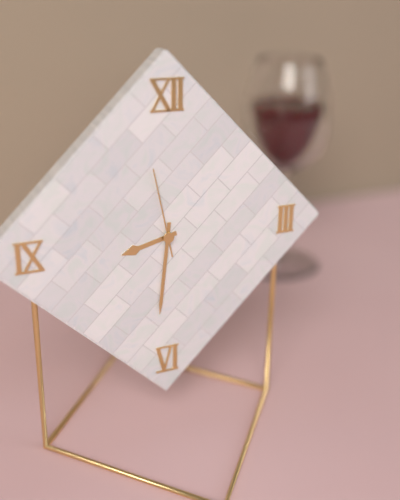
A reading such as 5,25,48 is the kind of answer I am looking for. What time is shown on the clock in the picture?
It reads 8,31,58
